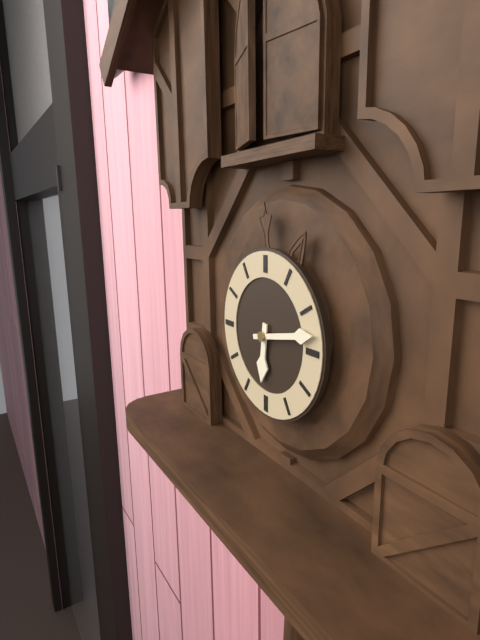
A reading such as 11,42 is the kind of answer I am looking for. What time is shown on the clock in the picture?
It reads 6,13
